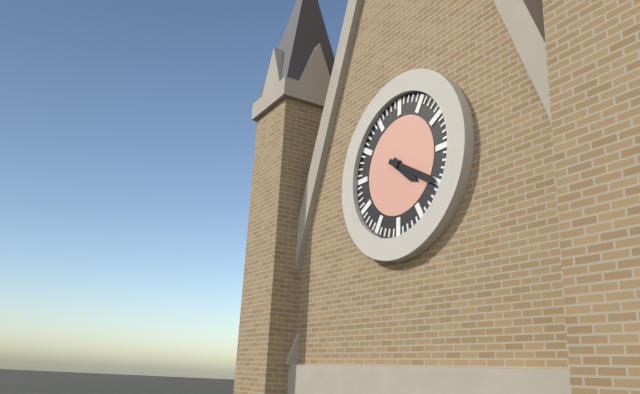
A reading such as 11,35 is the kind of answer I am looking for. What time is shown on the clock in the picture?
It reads 4,20
